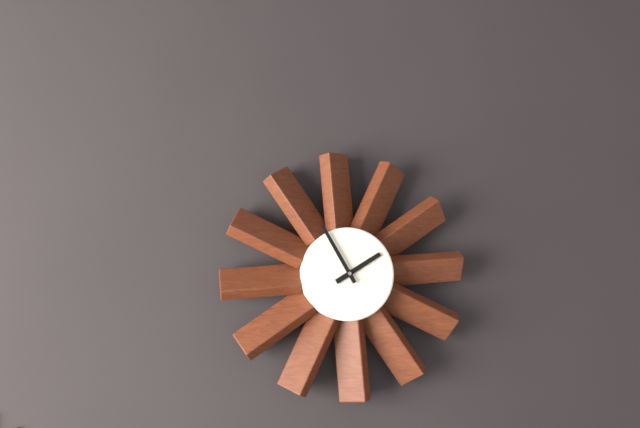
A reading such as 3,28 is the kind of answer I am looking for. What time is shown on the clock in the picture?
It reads 1,55
